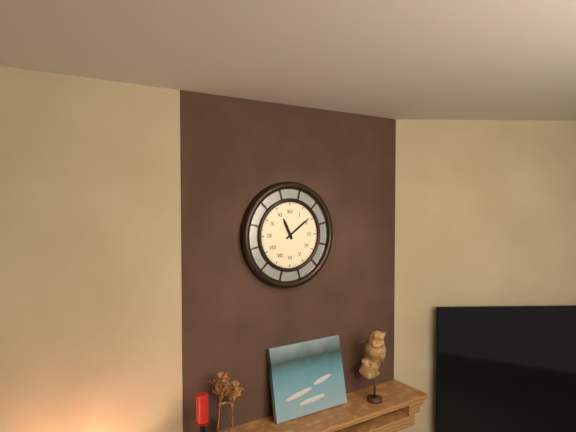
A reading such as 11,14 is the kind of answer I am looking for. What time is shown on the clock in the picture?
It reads 11,09
